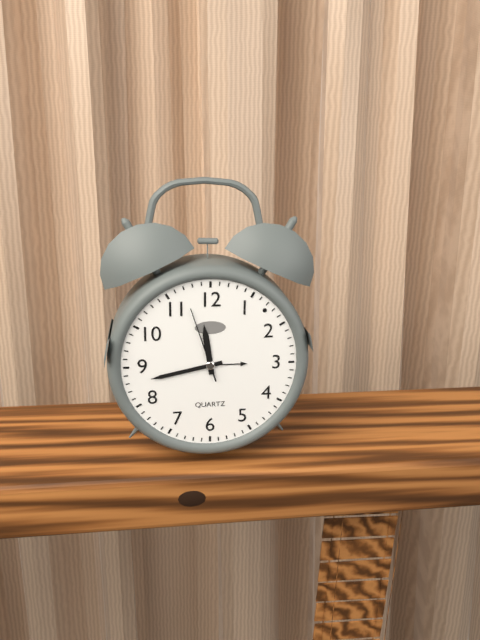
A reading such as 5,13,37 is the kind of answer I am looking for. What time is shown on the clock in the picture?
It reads 11,43,57
